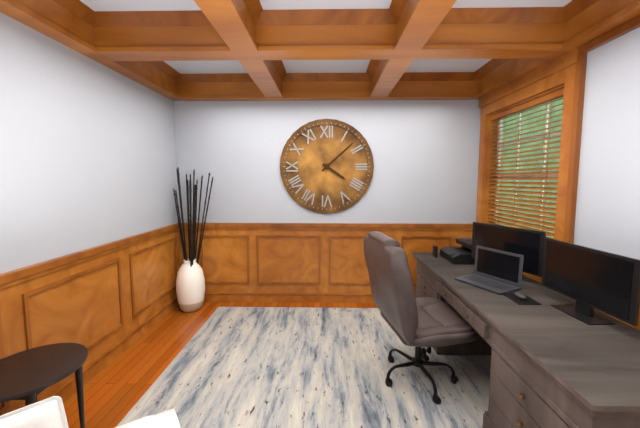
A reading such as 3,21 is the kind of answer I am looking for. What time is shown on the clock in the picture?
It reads 4,08
